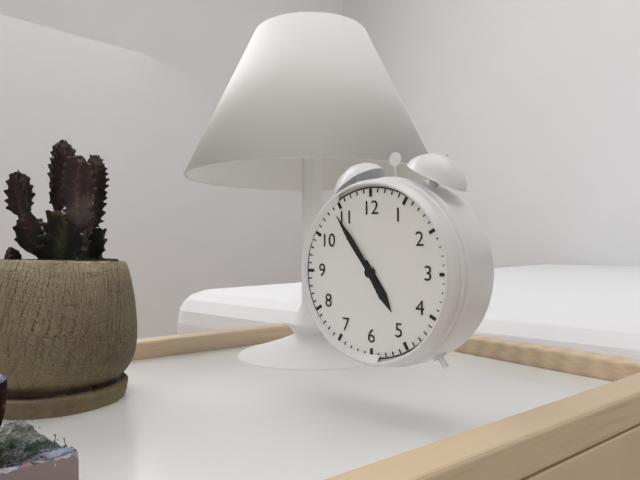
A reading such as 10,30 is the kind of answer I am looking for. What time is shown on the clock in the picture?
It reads 4,54
